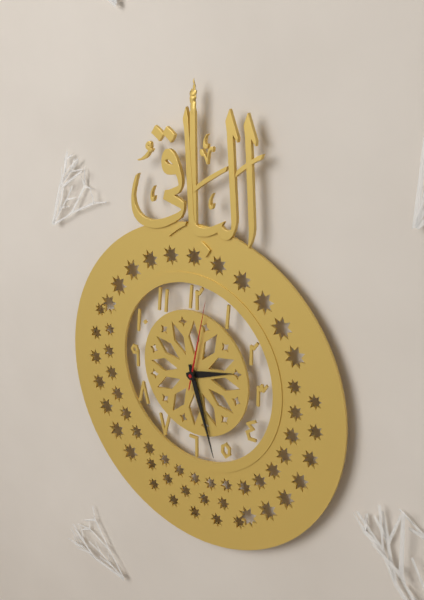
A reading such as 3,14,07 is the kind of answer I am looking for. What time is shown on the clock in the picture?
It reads 2,27,02
